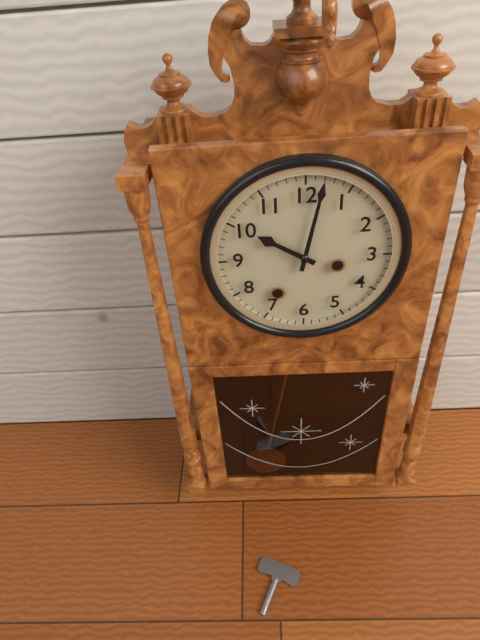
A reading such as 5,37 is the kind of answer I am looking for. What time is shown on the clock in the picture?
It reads 10,02
